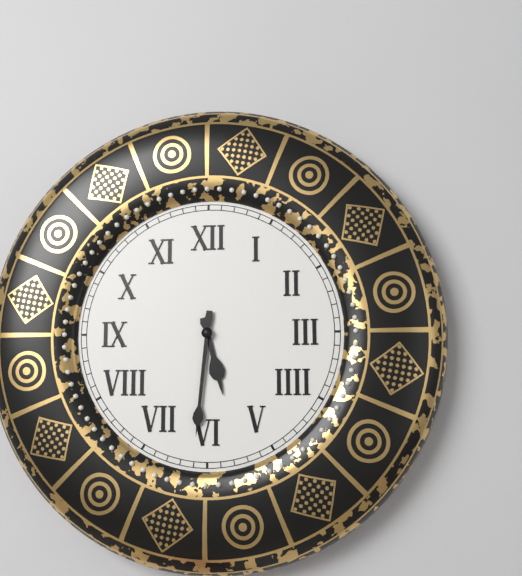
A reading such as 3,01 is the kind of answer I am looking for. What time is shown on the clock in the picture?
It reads 5,31
